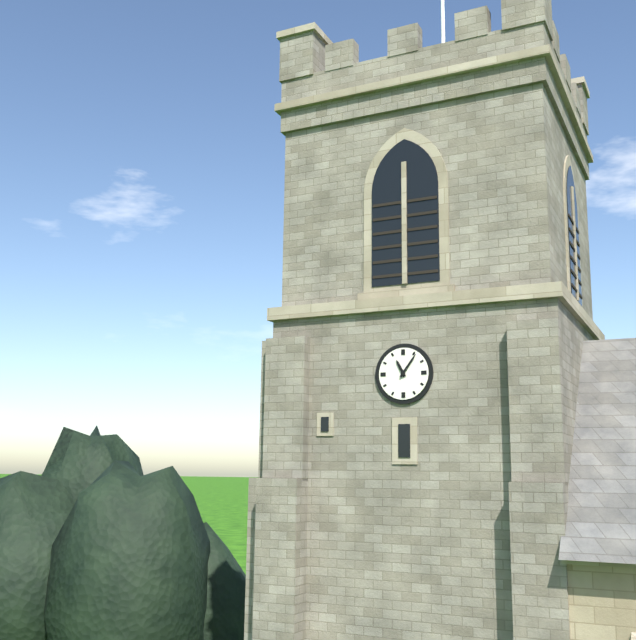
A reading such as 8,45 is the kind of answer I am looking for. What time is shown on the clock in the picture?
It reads 11,06
